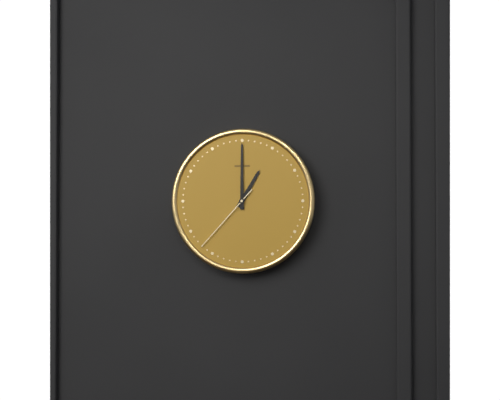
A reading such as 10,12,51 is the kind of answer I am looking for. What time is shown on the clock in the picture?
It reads 1,00,37
